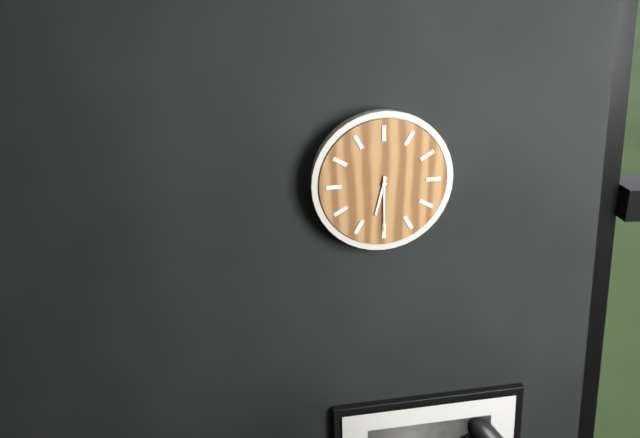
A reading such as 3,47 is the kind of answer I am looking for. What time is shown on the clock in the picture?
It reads 6,30
